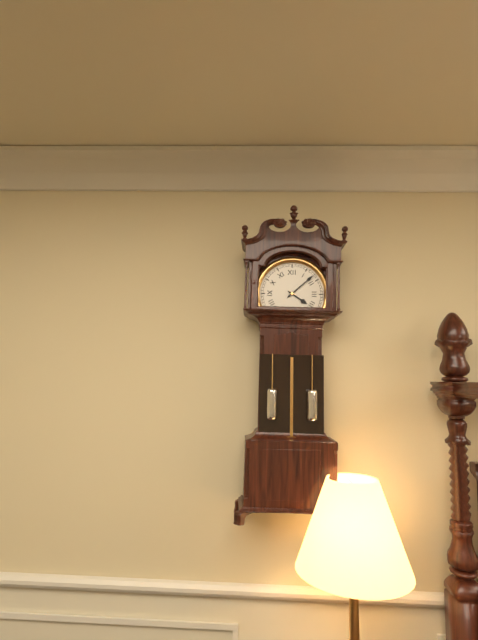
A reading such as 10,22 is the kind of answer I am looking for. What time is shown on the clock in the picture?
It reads 4,08
